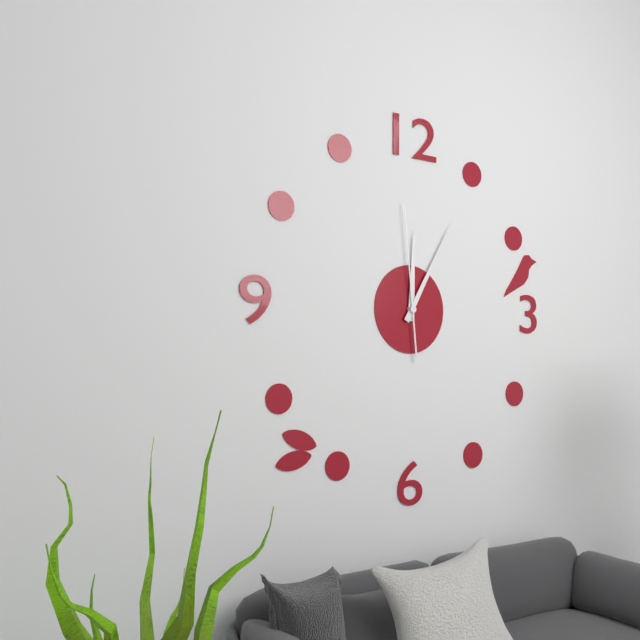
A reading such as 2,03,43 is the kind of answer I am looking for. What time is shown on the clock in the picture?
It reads 12,05,59
